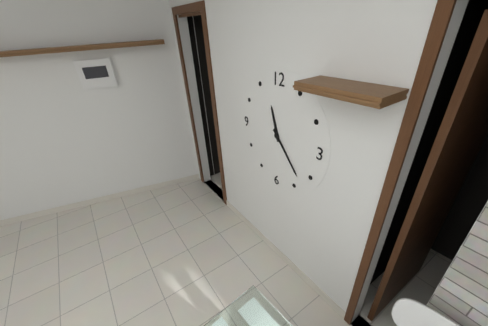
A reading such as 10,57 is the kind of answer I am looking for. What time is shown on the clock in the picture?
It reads 11,23
